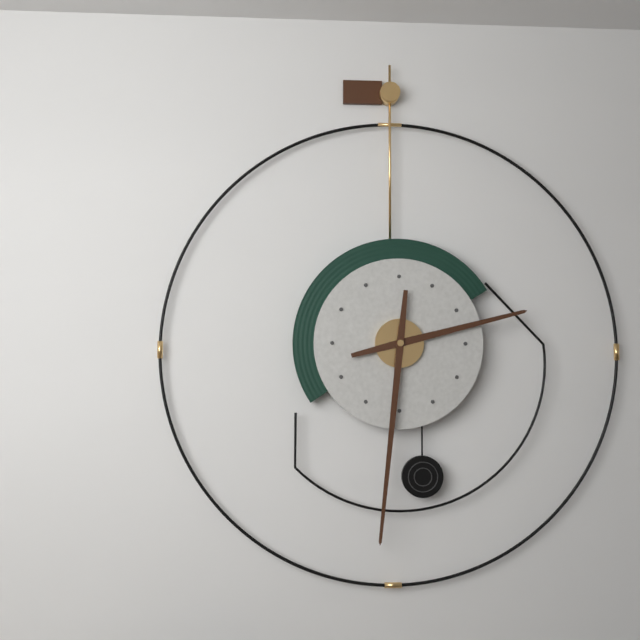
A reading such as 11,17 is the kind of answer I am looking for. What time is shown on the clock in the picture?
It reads 2,31
